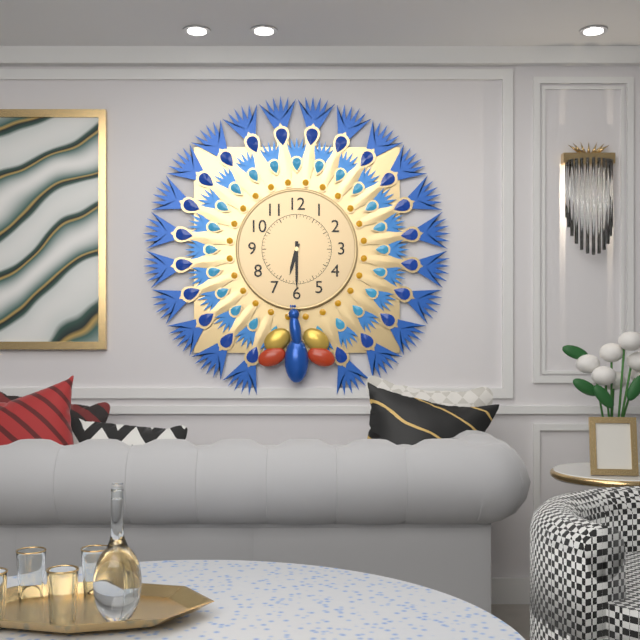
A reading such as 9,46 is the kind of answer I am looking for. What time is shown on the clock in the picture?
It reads 6,30
